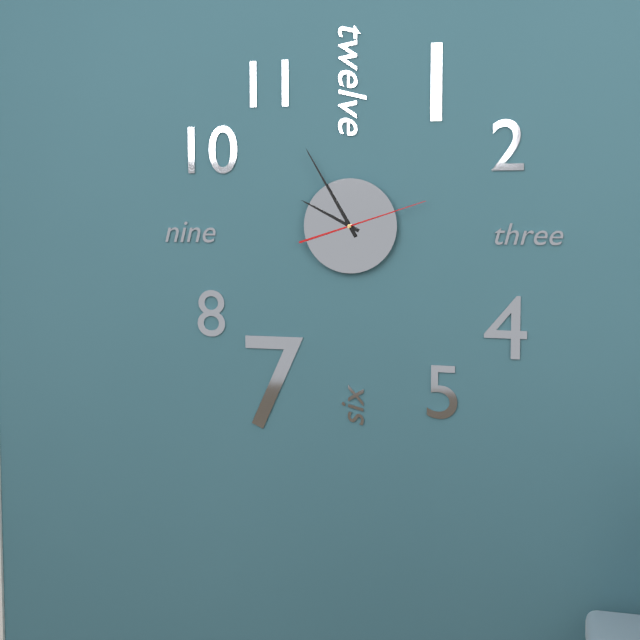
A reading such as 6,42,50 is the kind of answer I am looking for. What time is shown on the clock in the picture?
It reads 9,55,12
